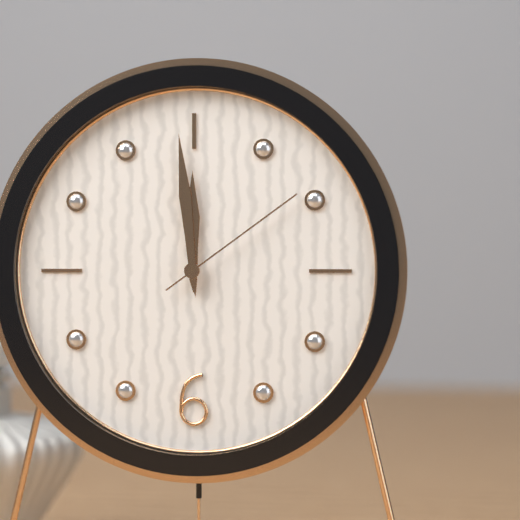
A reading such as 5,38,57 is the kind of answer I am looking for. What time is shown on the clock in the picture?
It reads 11,59,09
